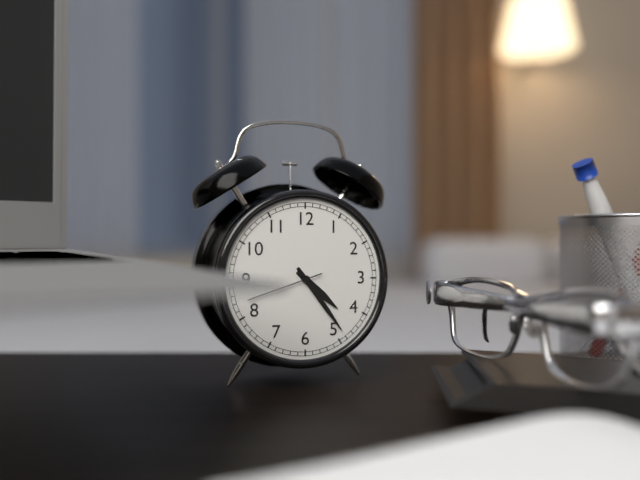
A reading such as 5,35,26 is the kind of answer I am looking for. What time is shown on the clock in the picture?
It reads 4,24,42
